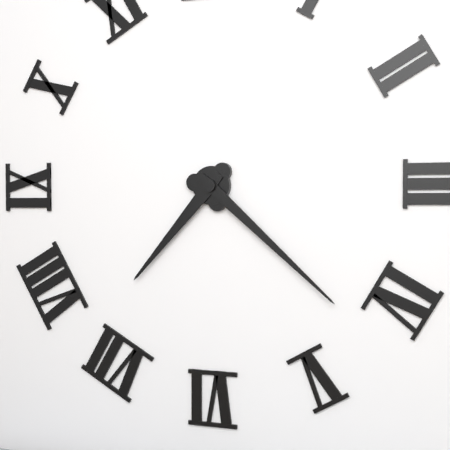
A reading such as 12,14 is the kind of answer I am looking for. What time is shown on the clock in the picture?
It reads 7,22
